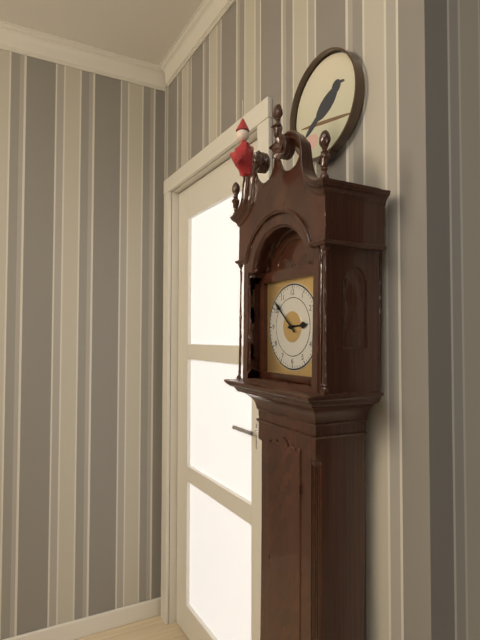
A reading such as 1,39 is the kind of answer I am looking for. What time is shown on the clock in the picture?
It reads 2,52
